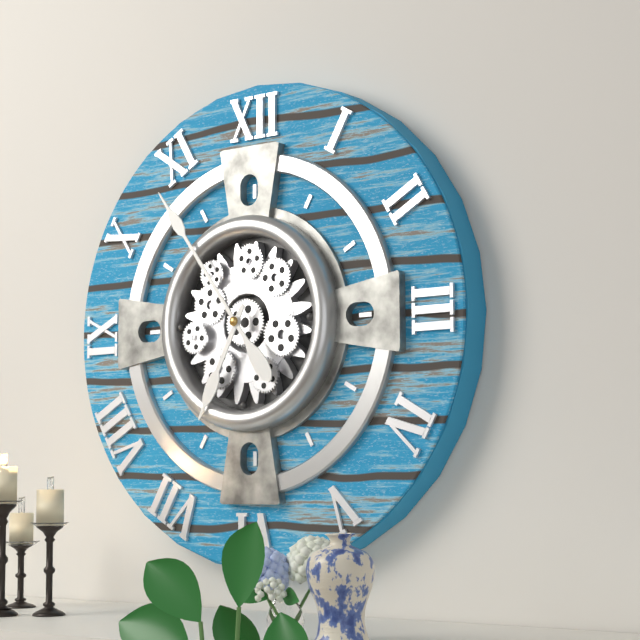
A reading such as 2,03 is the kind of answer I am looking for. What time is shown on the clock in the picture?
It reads 6,54
